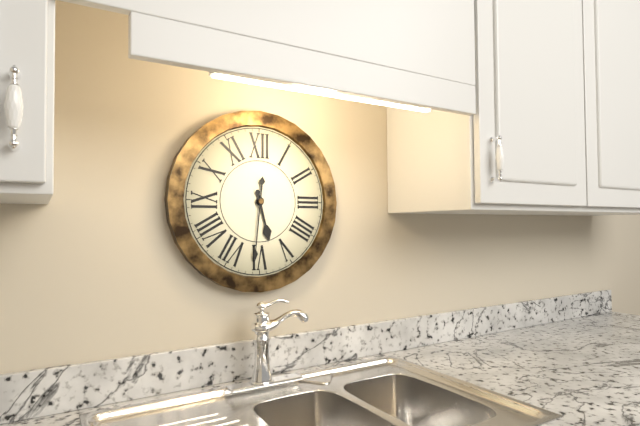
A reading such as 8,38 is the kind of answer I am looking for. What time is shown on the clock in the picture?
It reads 5,31
